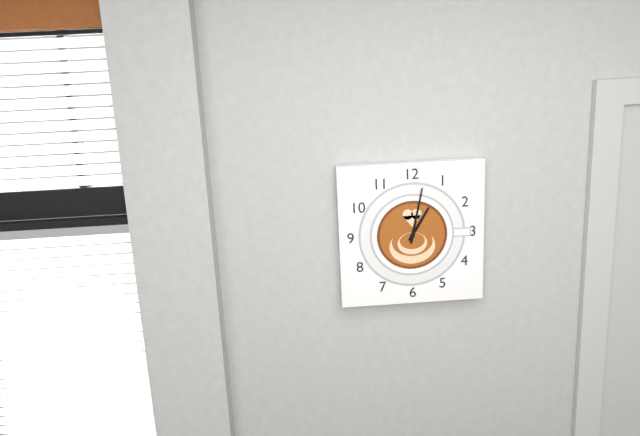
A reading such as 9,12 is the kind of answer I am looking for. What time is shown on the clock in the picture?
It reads 1,02
